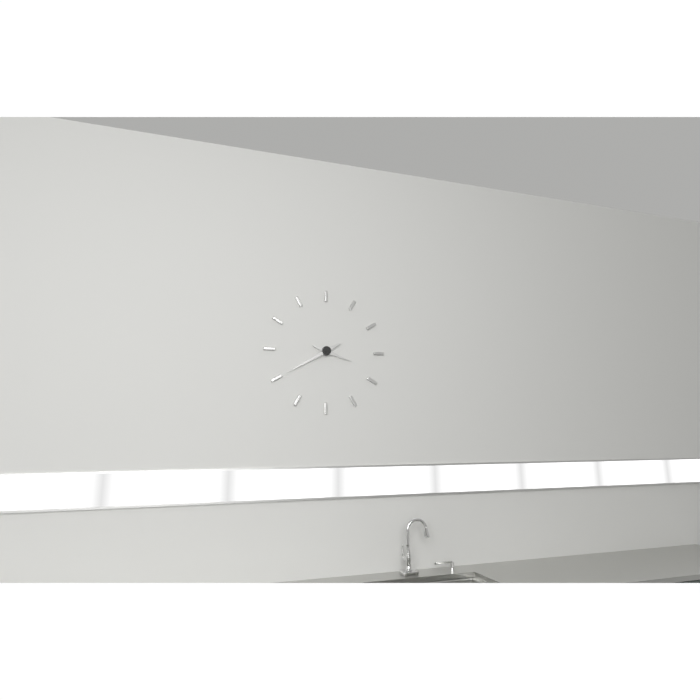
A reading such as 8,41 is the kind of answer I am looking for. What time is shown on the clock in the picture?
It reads 3,40
